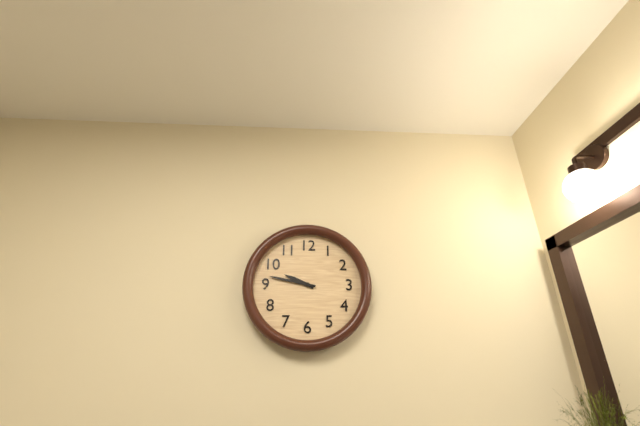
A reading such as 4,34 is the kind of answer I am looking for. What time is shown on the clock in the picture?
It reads 9,47
